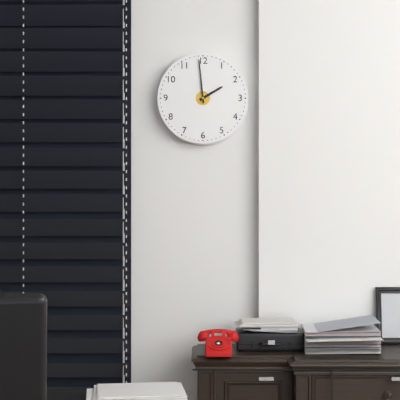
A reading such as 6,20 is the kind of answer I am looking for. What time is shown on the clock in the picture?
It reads 1,59
